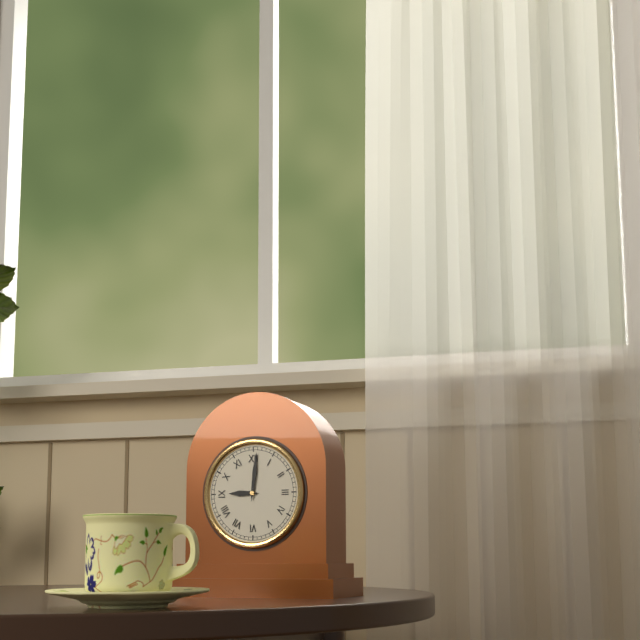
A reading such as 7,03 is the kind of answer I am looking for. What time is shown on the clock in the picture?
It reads 9,01
